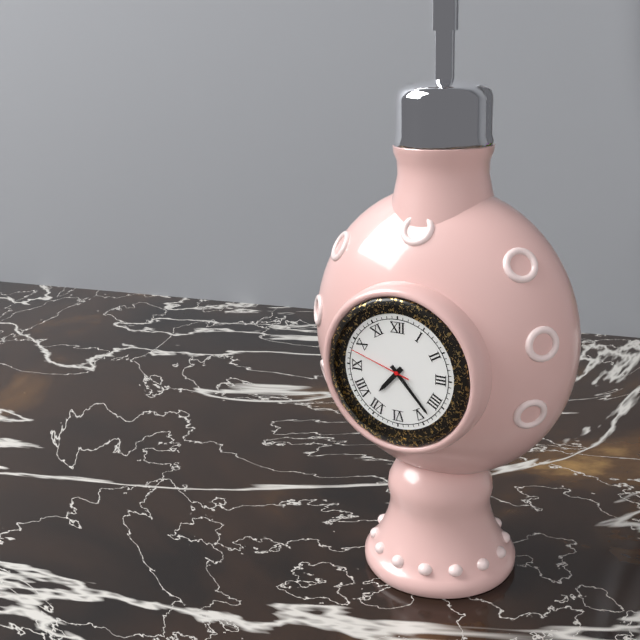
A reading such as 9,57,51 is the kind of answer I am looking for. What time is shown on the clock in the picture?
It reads 7,23,48
